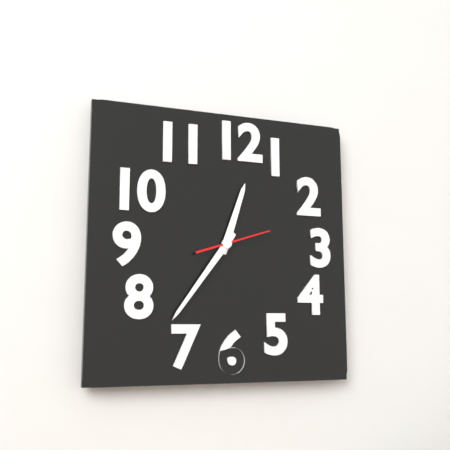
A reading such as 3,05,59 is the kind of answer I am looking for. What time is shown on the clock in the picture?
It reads 12,36,12
